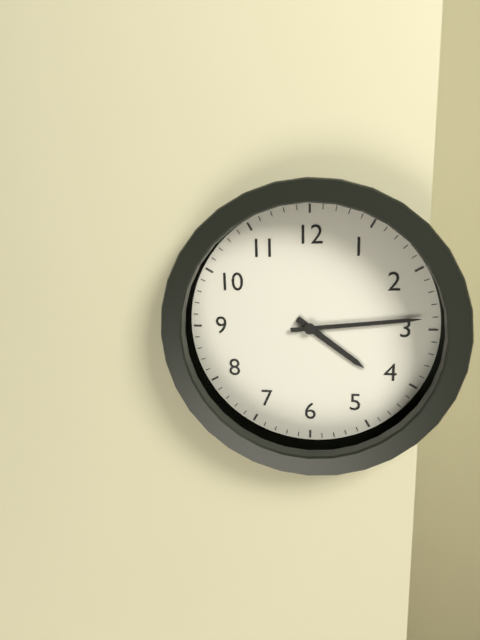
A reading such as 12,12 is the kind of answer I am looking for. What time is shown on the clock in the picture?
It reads 4,14
